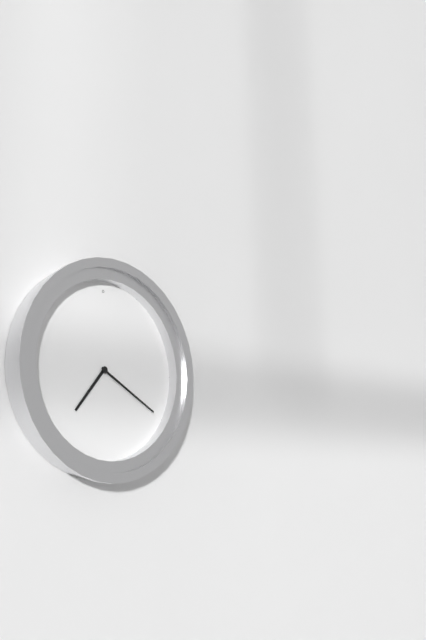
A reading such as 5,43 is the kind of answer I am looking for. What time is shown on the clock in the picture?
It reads 7,20
